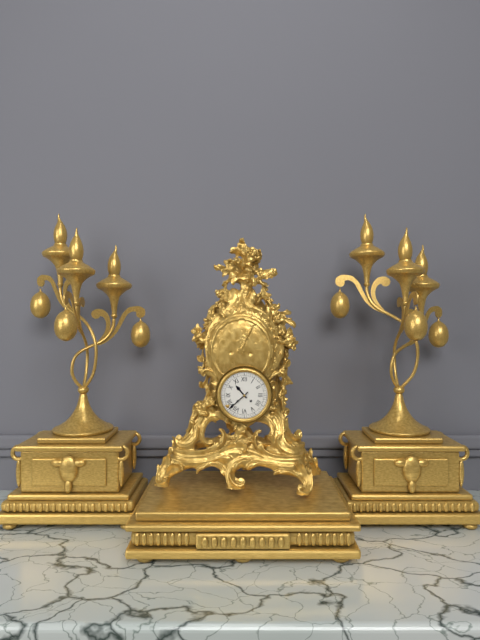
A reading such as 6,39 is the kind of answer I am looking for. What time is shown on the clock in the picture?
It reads 10,38
